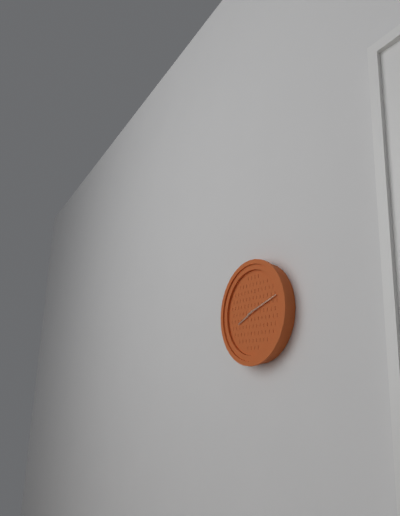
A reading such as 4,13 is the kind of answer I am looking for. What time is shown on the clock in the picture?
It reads 8,12
